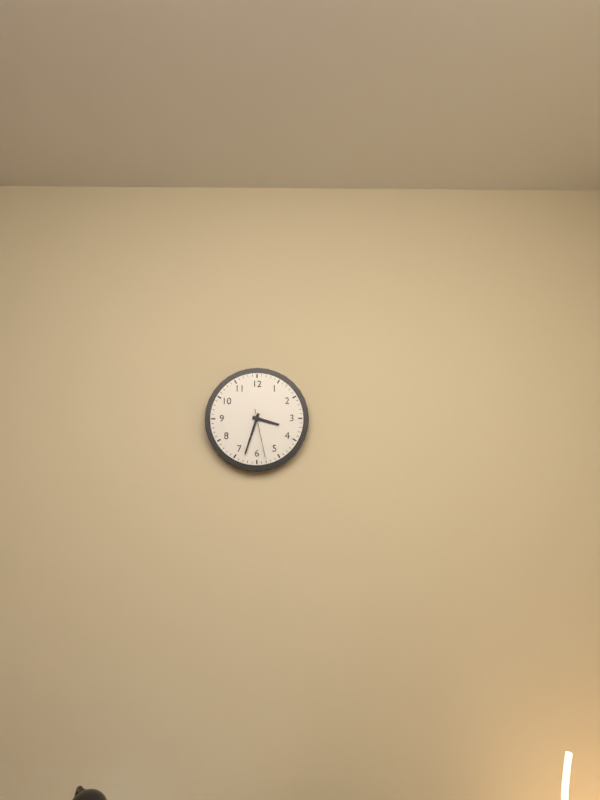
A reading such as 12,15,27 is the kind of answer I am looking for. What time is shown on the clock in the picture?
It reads 3,33,28
